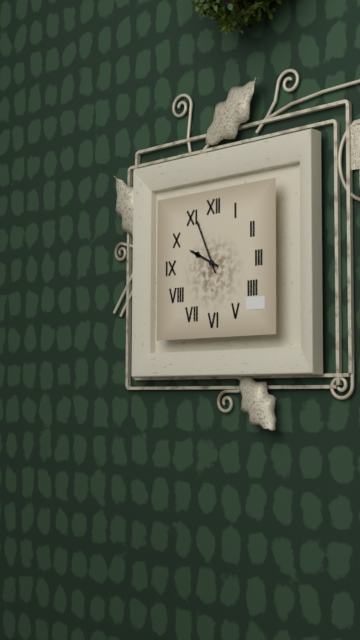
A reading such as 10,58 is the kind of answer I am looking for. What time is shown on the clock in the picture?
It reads 9,56
